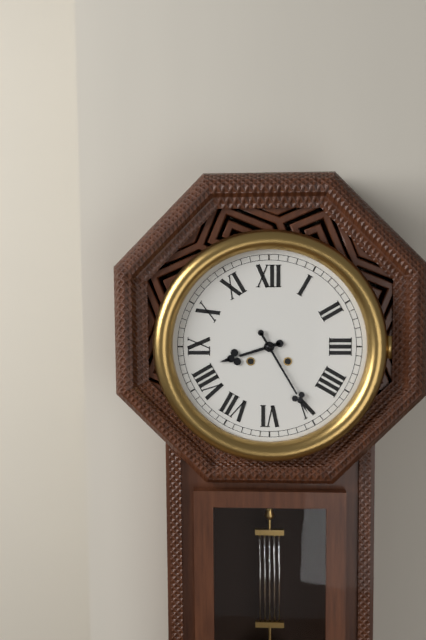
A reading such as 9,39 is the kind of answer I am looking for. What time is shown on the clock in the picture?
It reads 8,25
